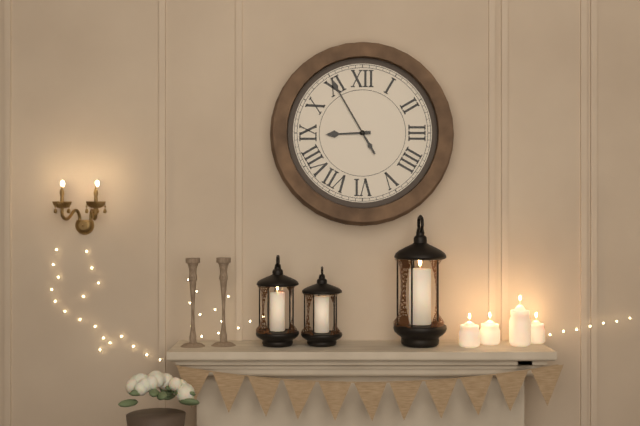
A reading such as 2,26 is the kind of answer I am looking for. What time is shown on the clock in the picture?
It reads 8,55
